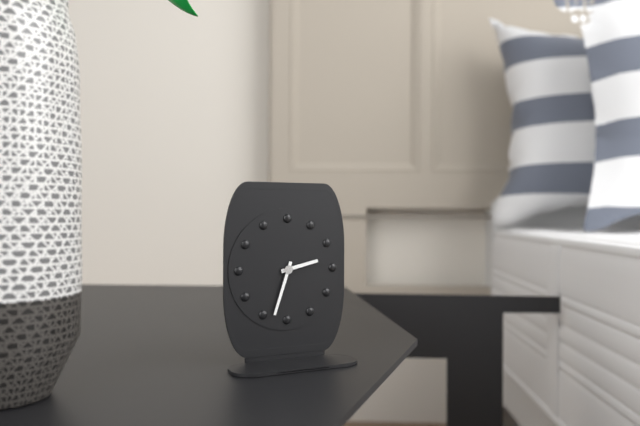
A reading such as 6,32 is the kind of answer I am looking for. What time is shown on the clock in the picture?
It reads 2,33
